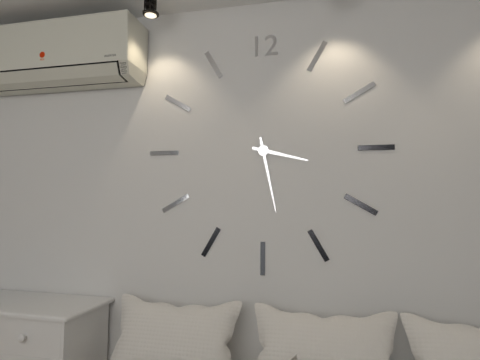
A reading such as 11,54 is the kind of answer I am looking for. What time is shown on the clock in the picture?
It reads 3,28
